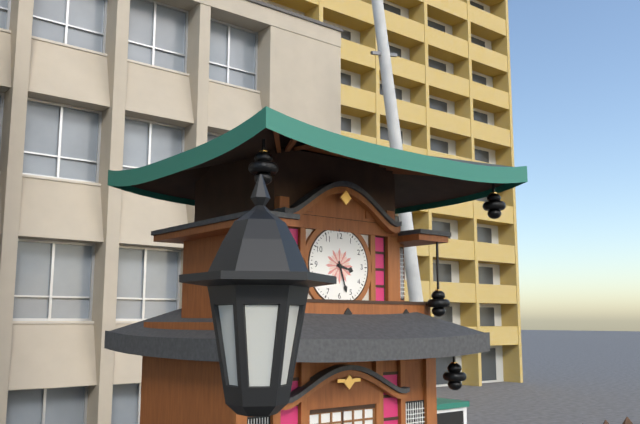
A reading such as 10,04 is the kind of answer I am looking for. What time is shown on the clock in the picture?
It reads 3,27
